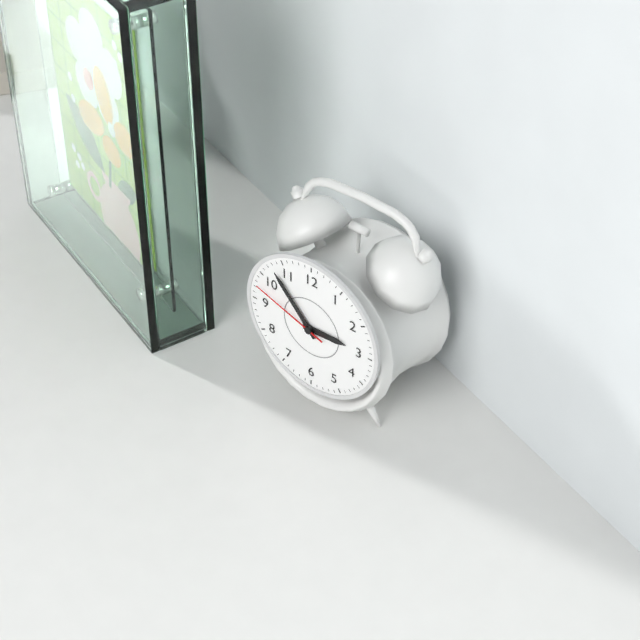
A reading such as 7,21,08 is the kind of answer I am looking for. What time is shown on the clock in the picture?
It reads 2,53,48
